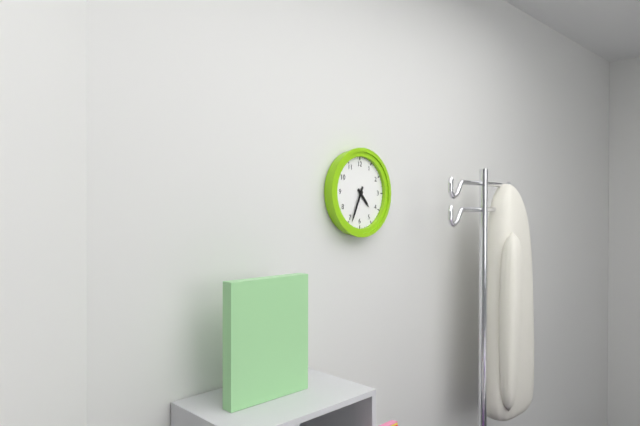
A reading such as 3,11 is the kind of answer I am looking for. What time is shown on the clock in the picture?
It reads 4,34
